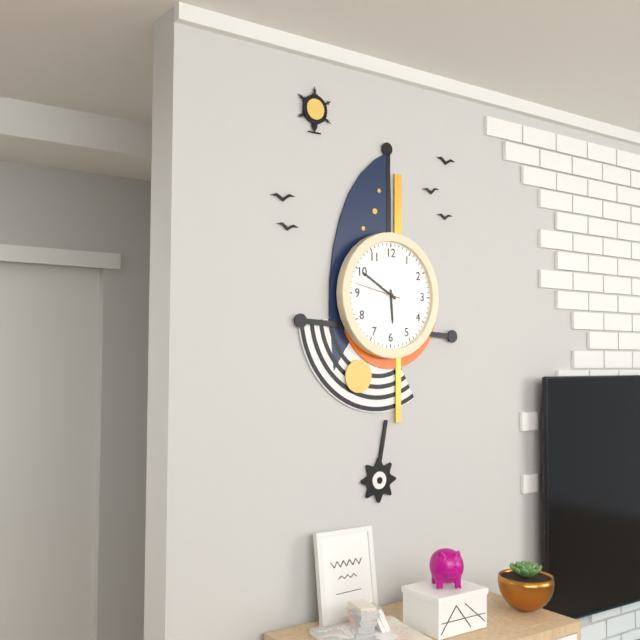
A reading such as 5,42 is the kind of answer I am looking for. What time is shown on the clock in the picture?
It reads 5,50
